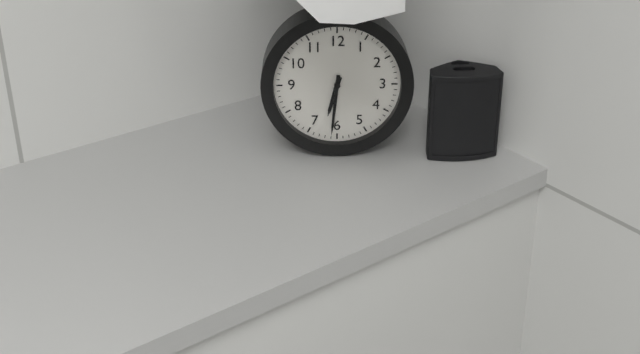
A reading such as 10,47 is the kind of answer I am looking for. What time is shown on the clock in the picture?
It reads 6,31
